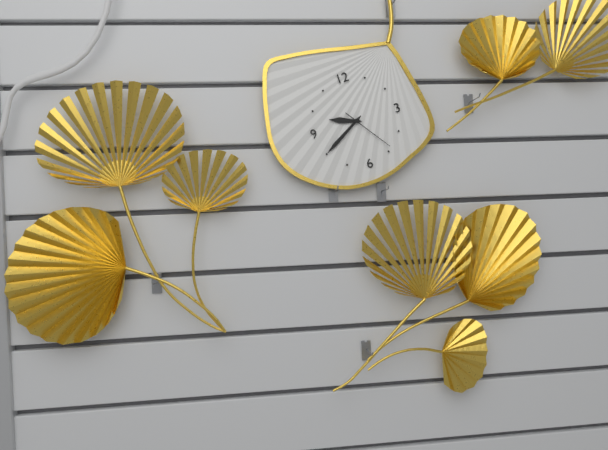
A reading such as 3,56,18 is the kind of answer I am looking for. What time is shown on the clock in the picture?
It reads 9,40,24
